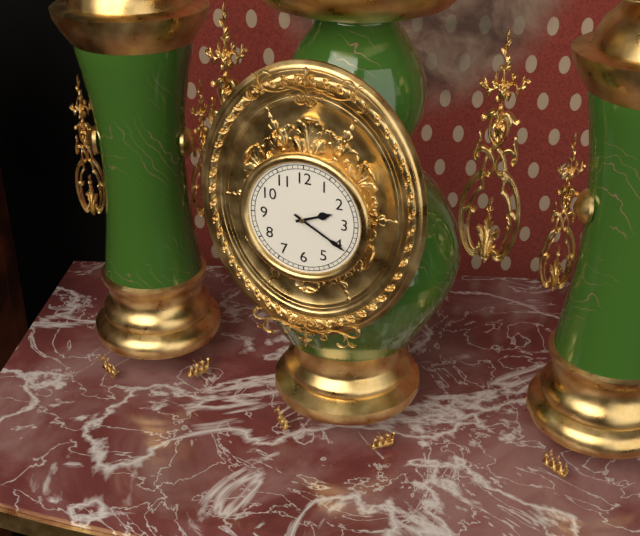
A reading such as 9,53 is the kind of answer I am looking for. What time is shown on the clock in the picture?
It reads 2,20
